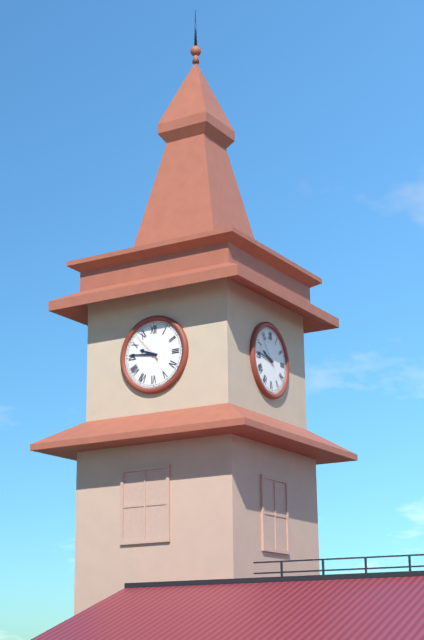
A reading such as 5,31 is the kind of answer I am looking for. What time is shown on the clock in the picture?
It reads 9,46
